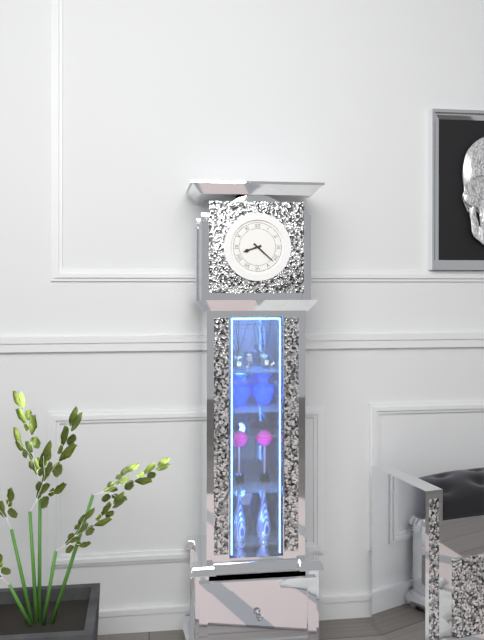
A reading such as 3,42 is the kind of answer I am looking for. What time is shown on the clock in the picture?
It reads 8,22
